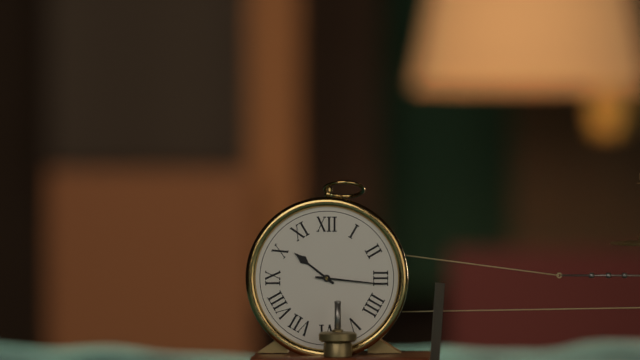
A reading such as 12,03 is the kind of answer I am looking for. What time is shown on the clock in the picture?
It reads 10,16
